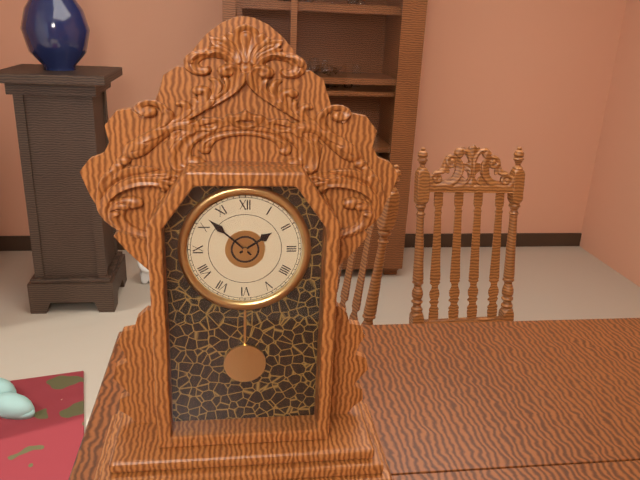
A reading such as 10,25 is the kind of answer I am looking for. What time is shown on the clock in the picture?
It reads 1,52
